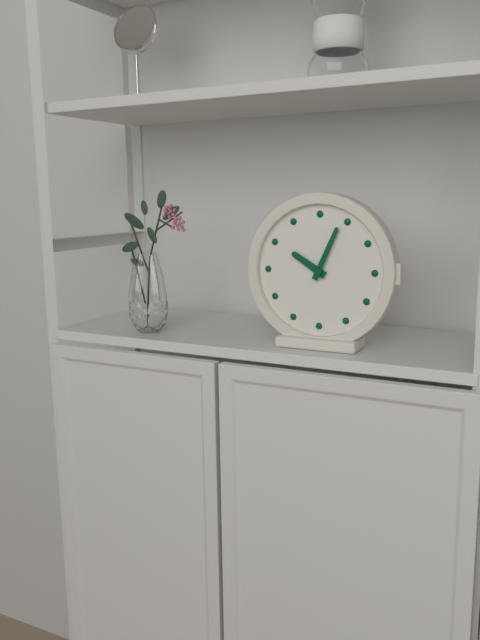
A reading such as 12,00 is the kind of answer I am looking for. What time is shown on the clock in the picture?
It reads 10,04
